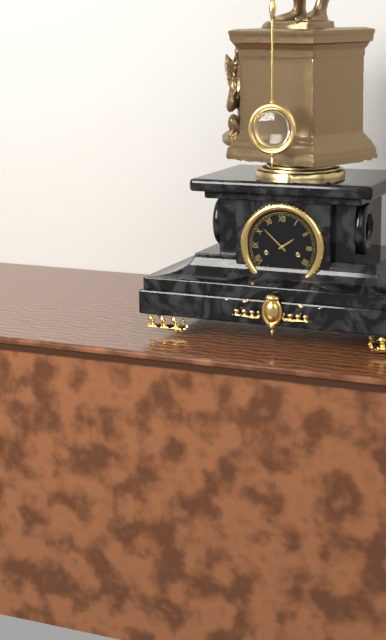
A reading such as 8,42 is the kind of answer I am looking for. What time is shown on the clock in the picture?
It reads 1,52
